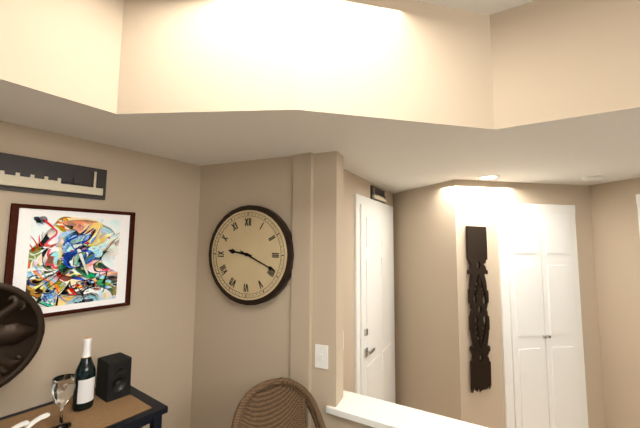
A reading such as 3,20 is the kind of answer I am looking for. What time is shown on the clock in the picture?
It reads 9,19
